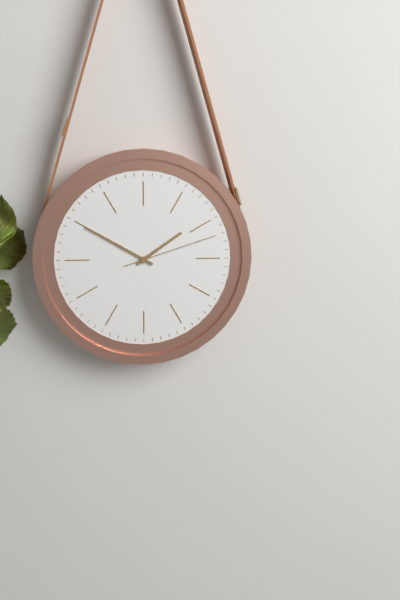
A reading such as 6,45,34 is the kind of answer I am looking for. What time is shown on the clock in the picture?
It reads 1,50,12
